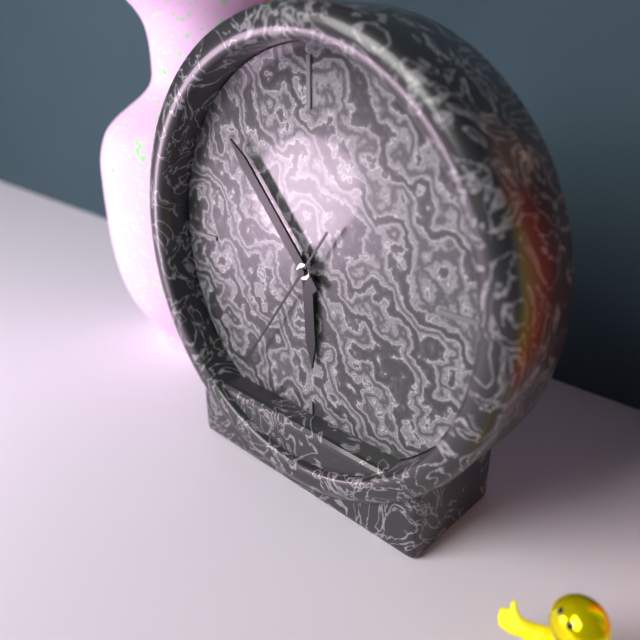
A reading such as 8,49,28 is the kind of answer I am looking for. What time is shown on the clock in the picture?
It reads 5,53,36
